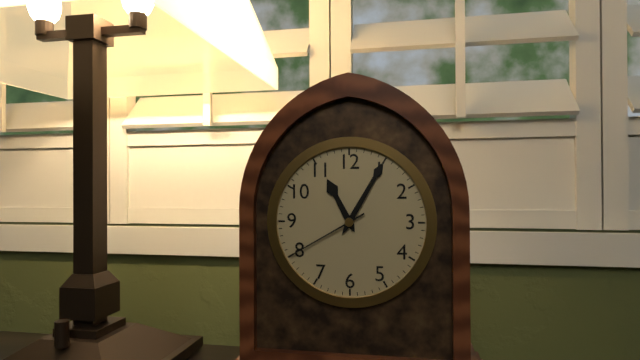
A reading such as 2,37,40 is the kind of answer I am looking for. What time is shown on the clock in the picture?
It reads 11,05,40
